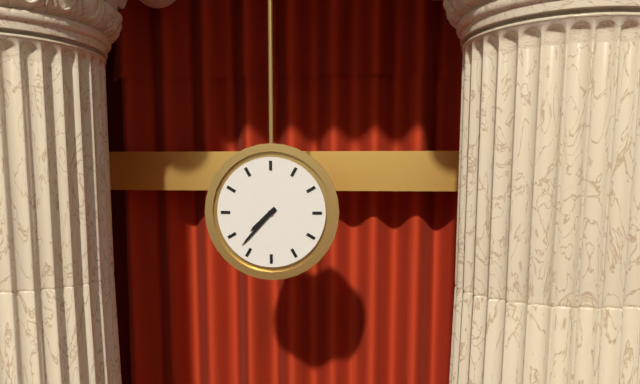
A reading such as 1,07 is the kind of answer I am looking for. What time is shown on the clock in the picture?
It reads 7,37
